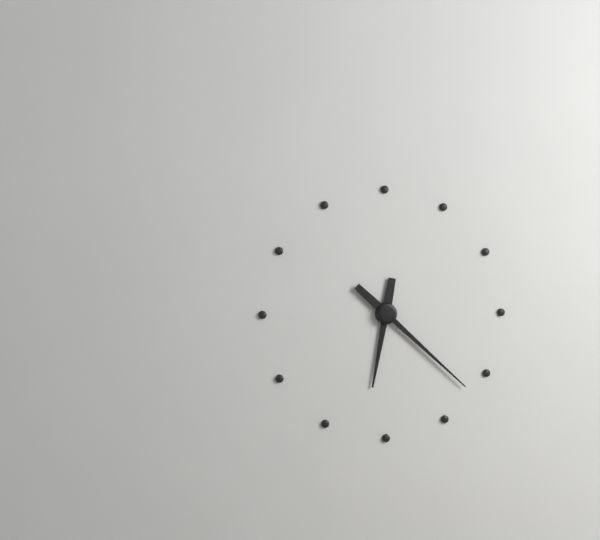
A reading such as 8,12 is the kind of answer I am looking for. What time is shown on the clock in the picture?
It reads 6,22
